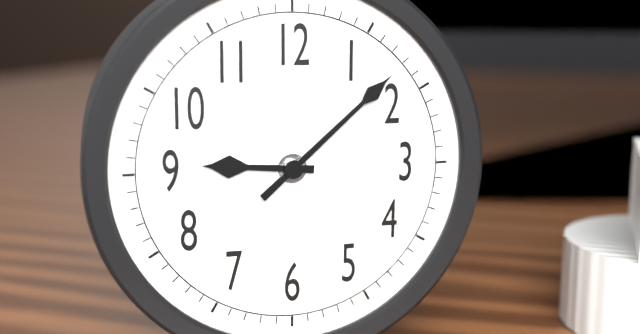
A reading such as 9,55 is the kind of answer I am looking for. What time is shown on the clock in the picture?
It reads 9,08
